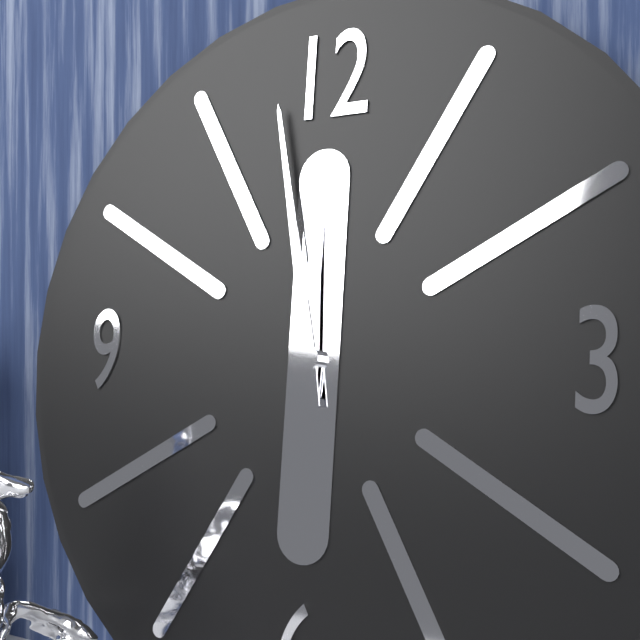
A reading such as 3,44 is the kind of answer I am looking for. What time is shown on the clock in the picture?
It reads 11,58
